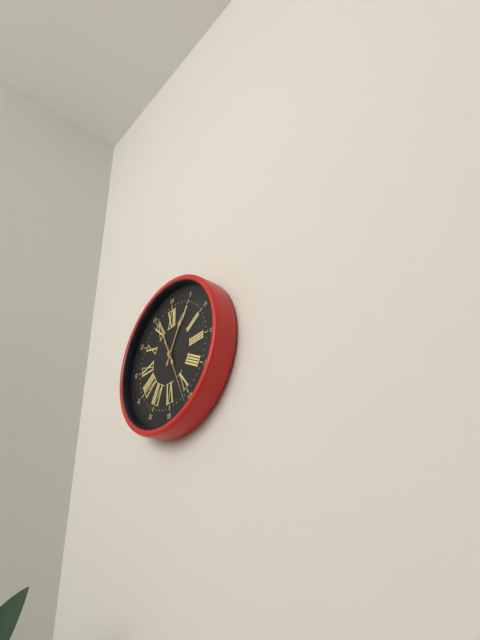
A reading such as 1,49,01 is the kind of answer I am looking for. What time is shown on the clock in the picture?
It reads 12,56,26
